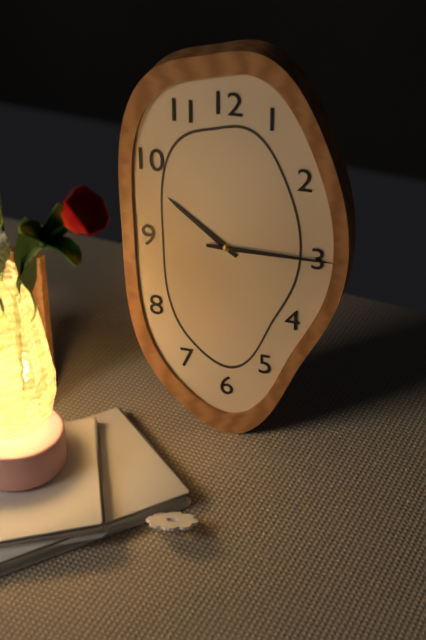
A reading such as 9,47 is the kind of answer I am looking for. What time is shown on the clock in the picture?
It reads 10,15
